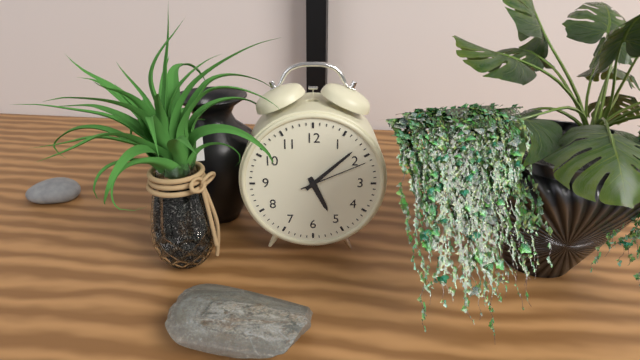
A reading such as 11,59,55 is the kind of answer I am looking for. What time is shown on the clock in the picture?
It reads 5,08,11
